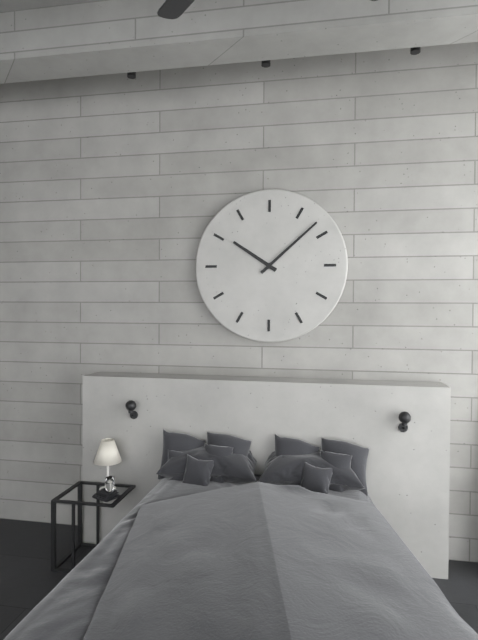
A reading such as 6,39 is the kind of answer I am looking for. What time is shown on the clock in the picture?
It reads 10,08
